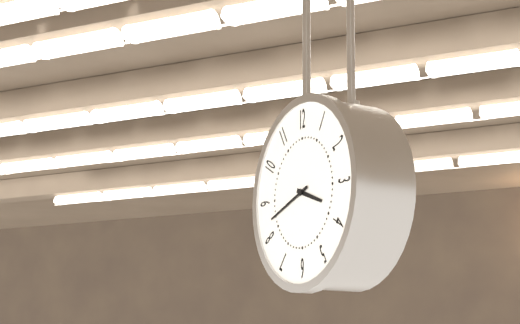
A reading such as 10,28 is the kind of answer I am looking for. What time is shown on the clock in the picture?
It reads 3,42
